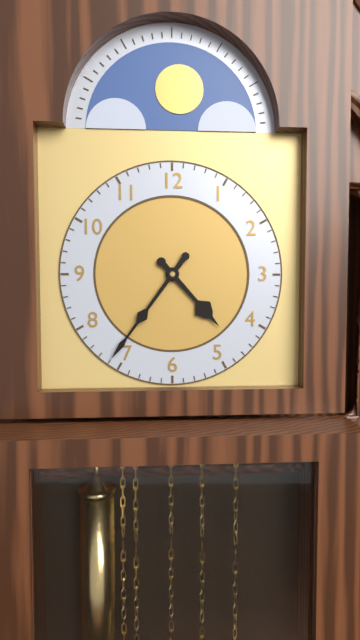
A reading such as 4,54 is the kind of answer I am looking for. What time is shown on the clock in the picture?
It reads 4,36
